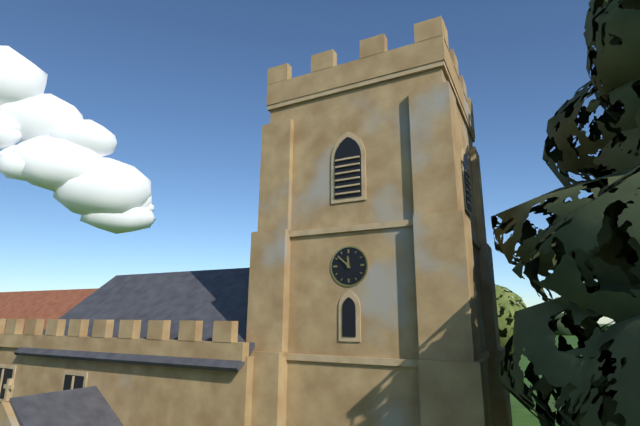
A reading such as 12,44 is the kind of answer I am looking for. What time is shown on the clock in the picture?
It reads 11,52
